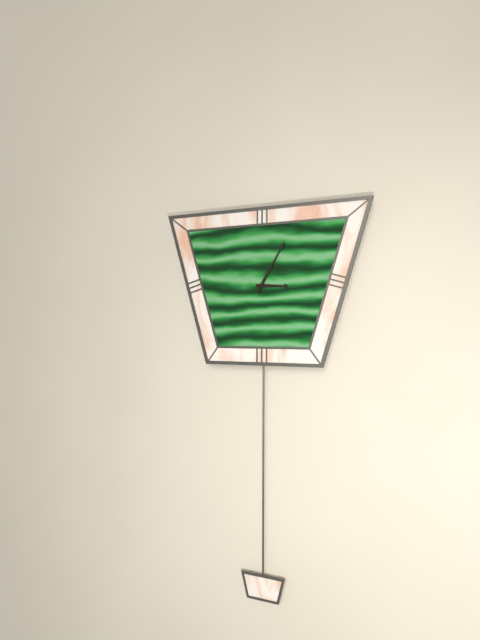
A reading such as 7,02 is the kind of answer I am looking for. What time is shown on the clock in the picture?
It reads 3,05
